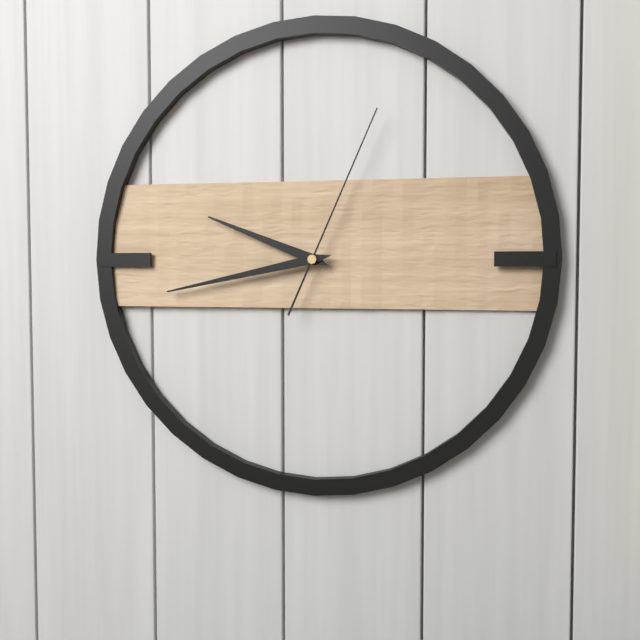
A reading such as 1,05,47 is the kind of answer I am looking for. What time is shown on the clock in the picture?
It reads 9,43,04
